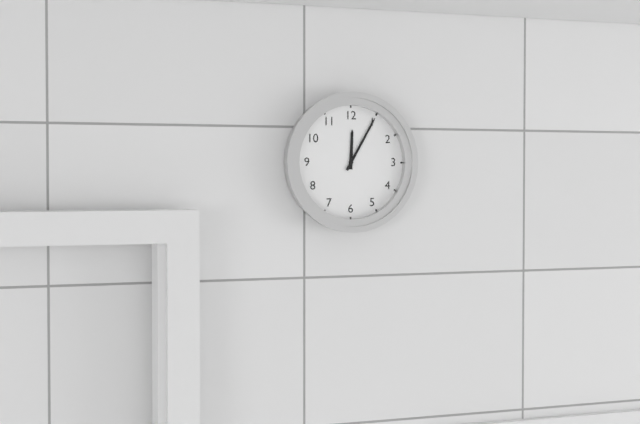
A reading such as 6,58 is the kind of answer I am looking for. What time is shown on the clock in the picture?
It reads 12,05
